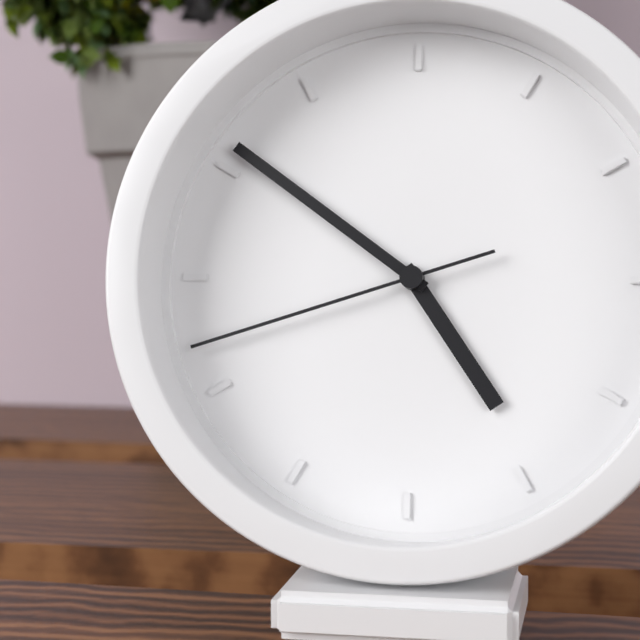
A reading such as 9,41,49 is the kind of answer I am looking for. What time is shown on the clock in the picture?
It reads 4,51,42
